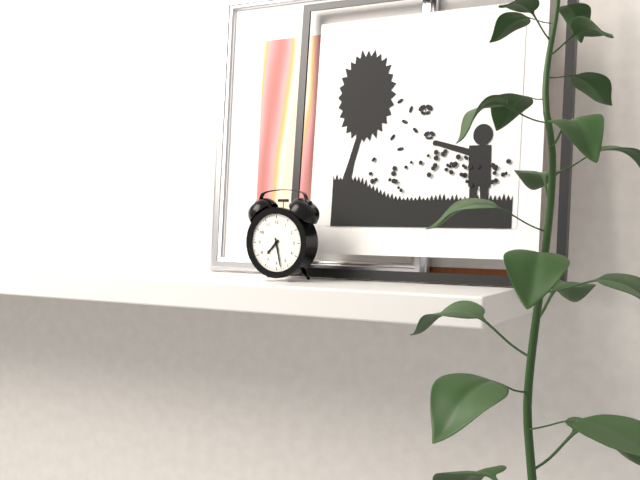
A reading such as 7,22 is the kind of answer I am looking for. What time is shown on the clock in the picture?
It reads 7,28
